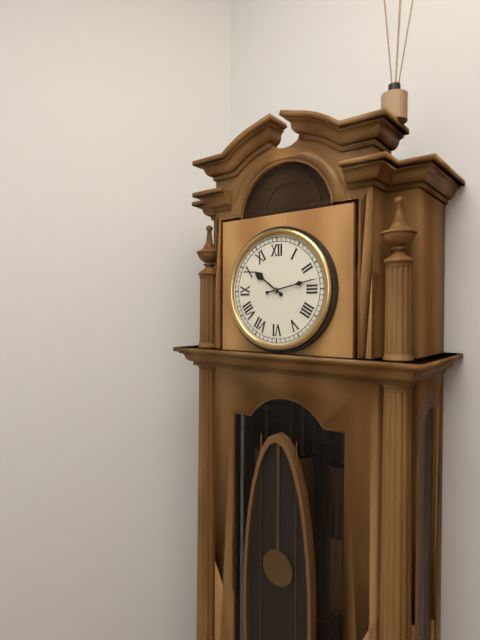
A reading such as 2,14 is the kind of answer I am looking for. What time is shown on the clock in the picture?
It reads 10,13
